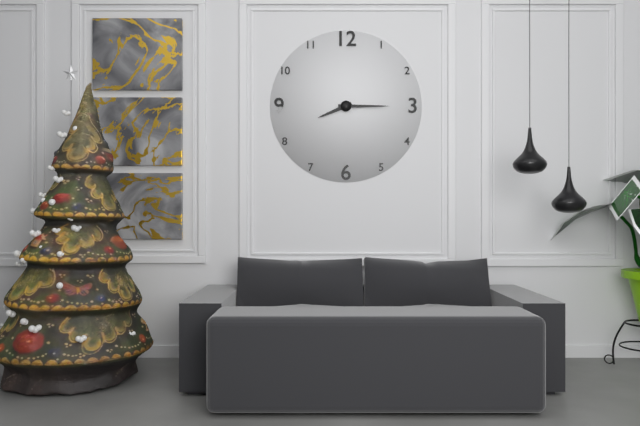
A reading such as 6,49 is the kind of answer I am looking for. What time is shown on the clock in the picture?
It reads 8,15
